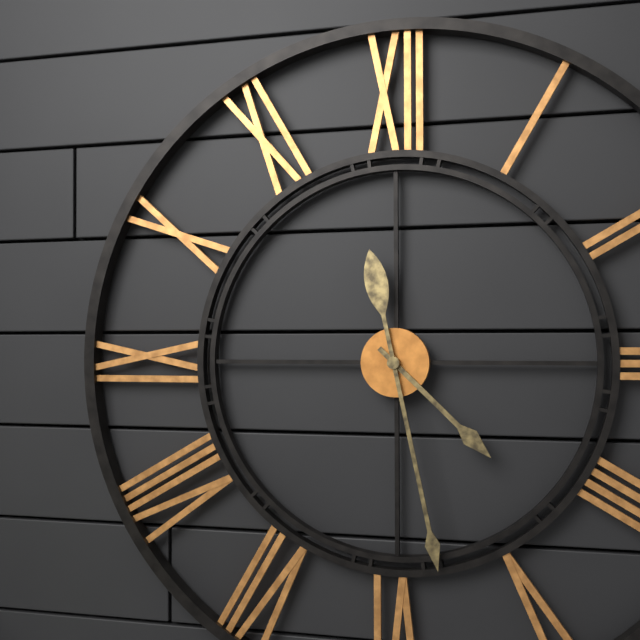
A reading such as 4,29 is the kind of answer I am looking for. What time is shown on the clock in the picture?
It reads 4,28
